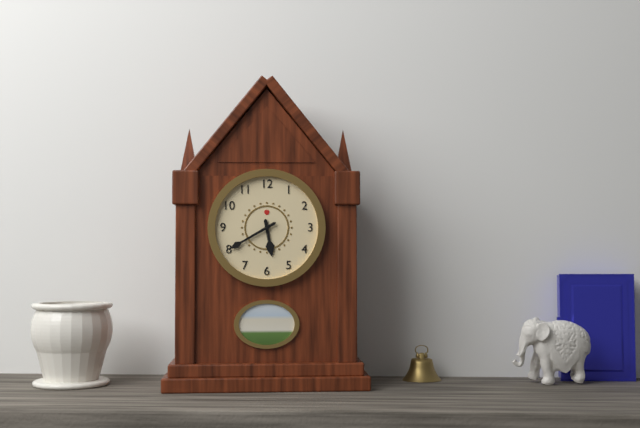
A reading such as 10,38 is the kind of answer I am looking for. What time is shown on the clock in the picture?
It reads 5,40
